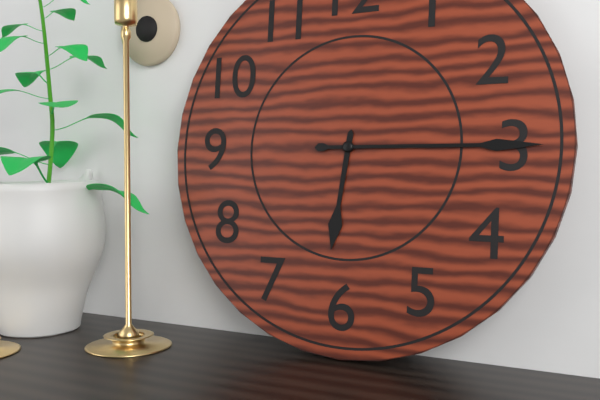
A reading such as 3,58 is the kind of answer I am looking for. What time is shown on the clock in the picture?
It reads 6,15
